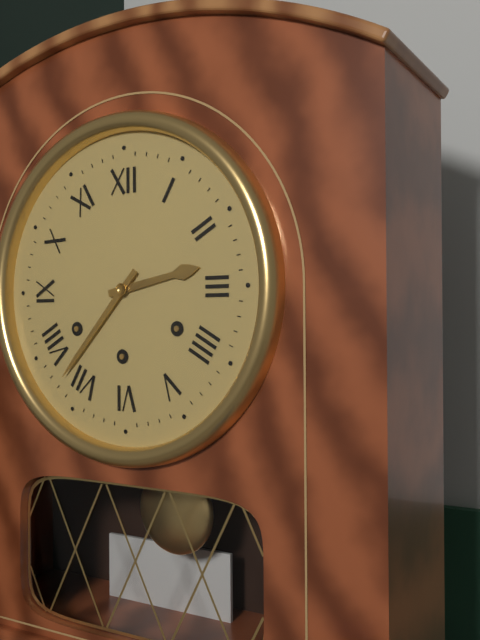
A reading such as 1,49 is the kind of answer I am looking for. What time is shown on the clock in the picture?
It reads 2,37
